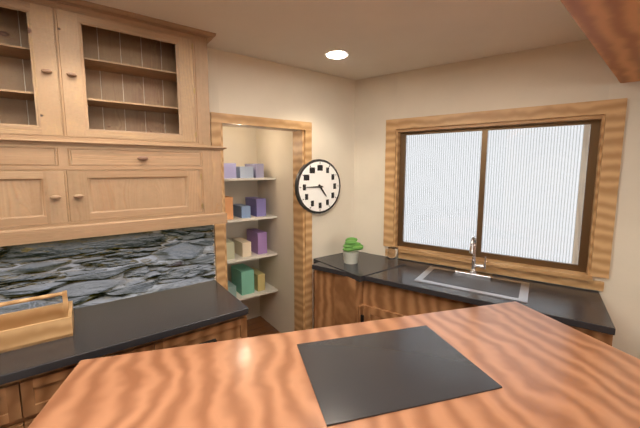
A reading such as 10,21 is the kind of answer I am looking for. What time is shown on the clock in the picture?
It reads 4,45
